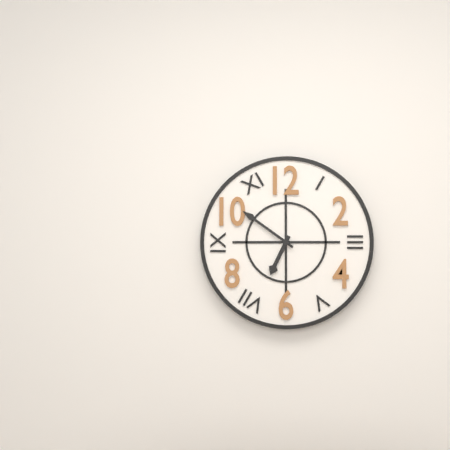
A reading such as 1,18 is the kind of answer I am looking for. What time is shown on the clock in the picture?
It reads 6,51
